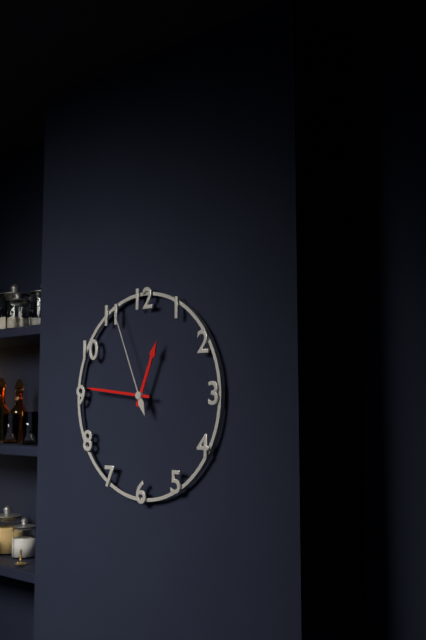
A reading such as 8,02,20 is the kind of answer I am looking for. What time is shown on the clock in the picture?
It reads 12,46,56
